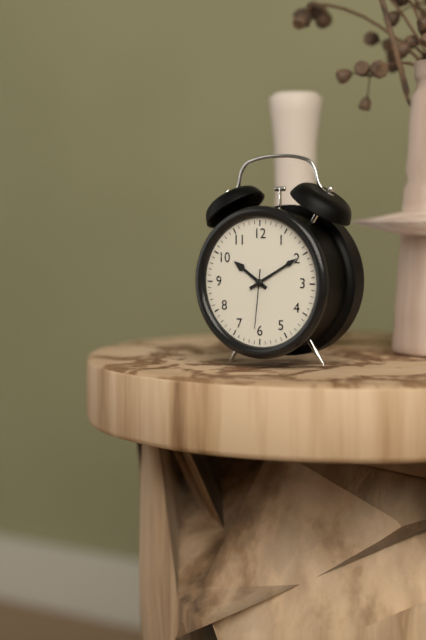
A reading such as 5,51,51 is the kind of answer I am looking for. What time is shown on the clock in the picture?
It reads 10,10,31
